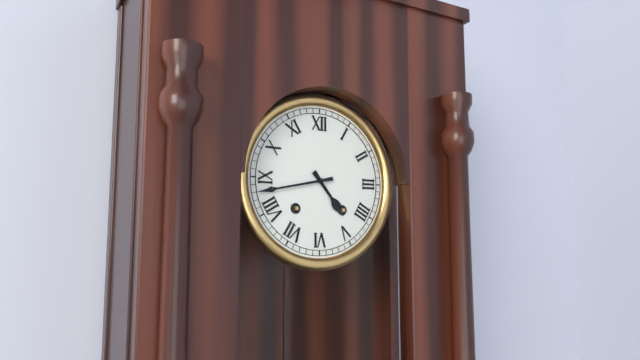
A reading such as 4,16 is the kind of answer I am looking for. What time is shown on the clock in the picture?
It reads 4,43
